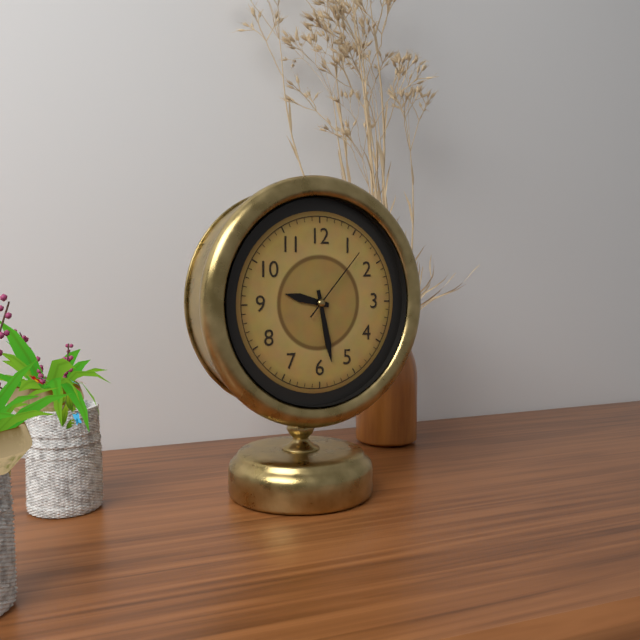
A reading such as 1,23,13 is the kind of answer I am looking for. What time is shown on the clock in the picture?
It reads 9,28,07
